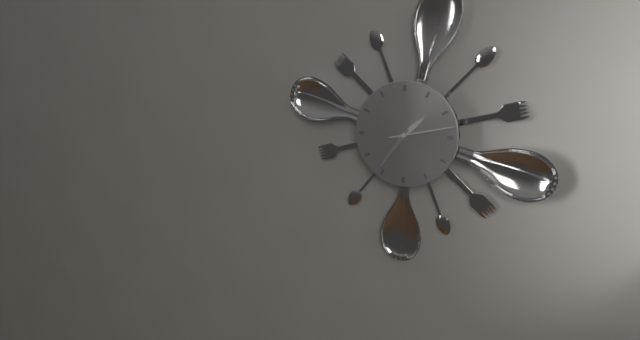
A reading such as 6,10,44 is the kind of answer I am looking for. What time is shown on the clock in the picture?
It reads 1,36,13
